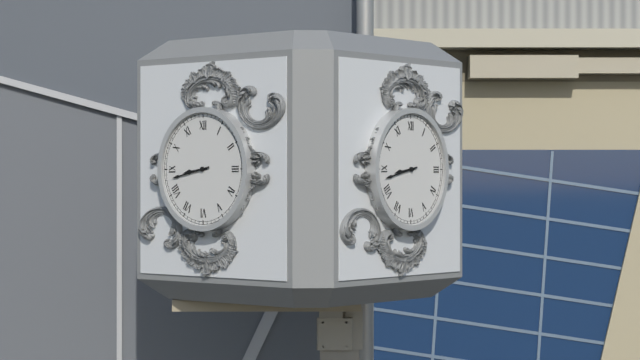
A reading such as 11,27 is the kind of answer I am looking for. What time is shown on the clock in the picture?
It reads 8,43
